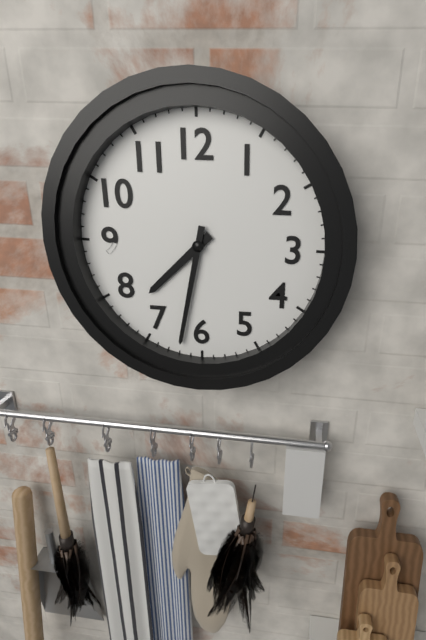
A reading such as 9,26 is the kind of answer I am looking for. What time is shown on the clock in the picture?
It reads 7,32
